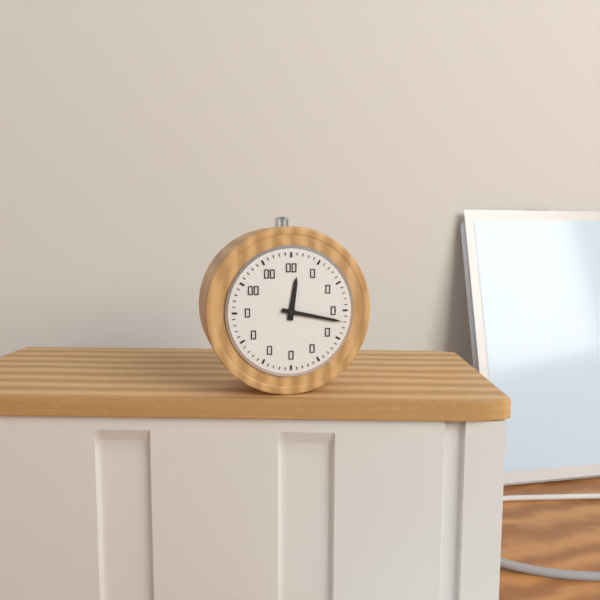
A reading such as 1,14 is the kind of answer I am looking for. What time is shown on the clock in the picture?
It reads 12,17
